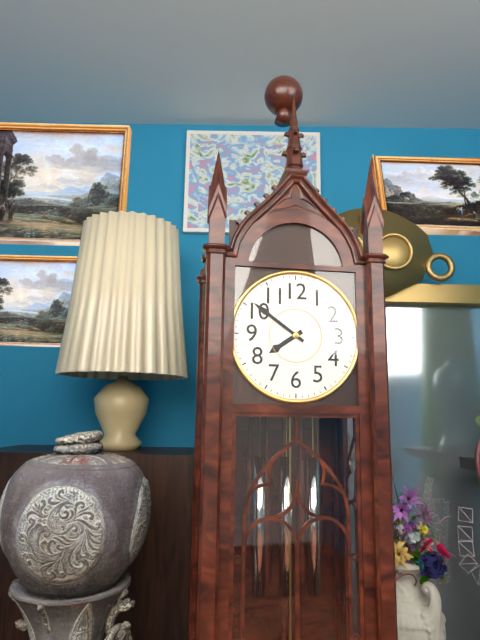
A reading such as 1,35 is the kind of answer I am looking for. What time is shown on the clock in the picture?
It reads 7,51
